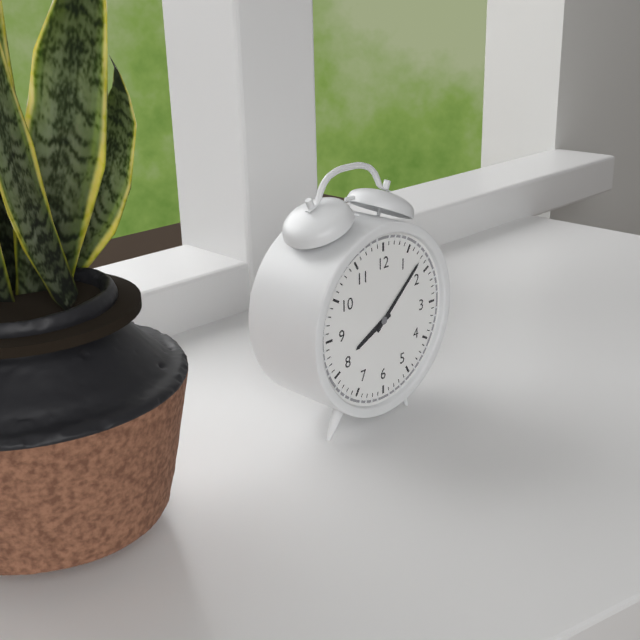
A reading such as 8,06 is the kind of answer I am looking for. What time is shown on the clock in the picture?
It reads 8,08
